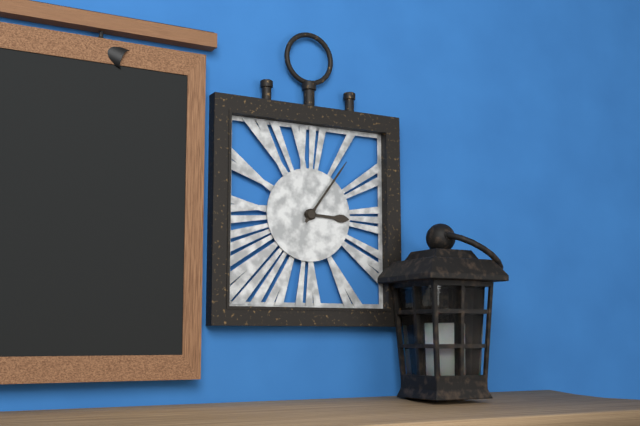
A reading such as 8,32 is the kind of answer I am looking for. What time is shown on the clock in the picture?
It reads 3,06
